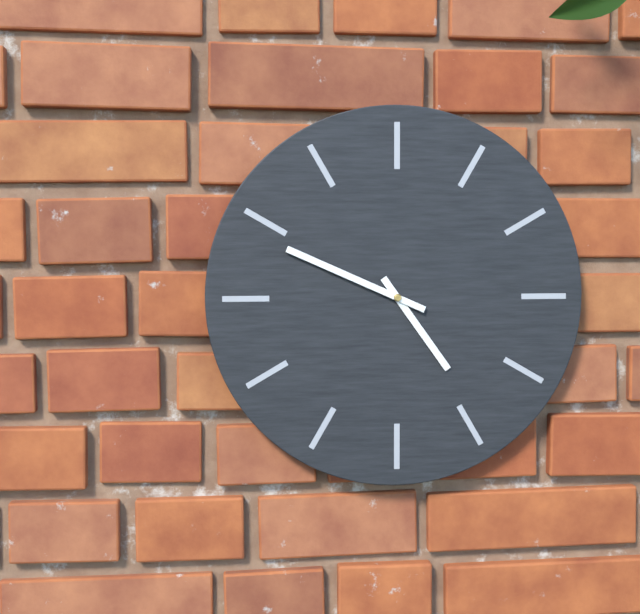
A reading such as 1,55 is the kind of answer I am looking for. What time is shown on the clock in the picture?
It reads 4,49
